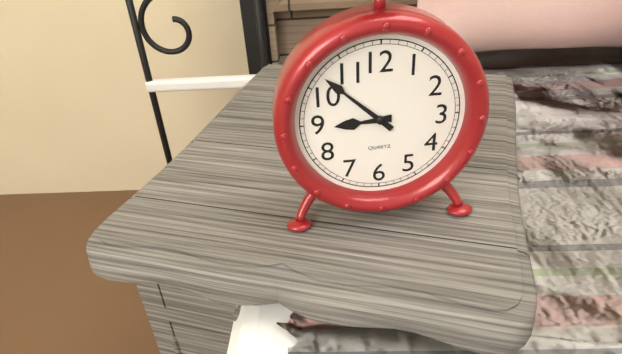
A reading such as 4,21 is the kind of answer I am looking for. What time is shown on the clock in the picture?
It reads 8,52
